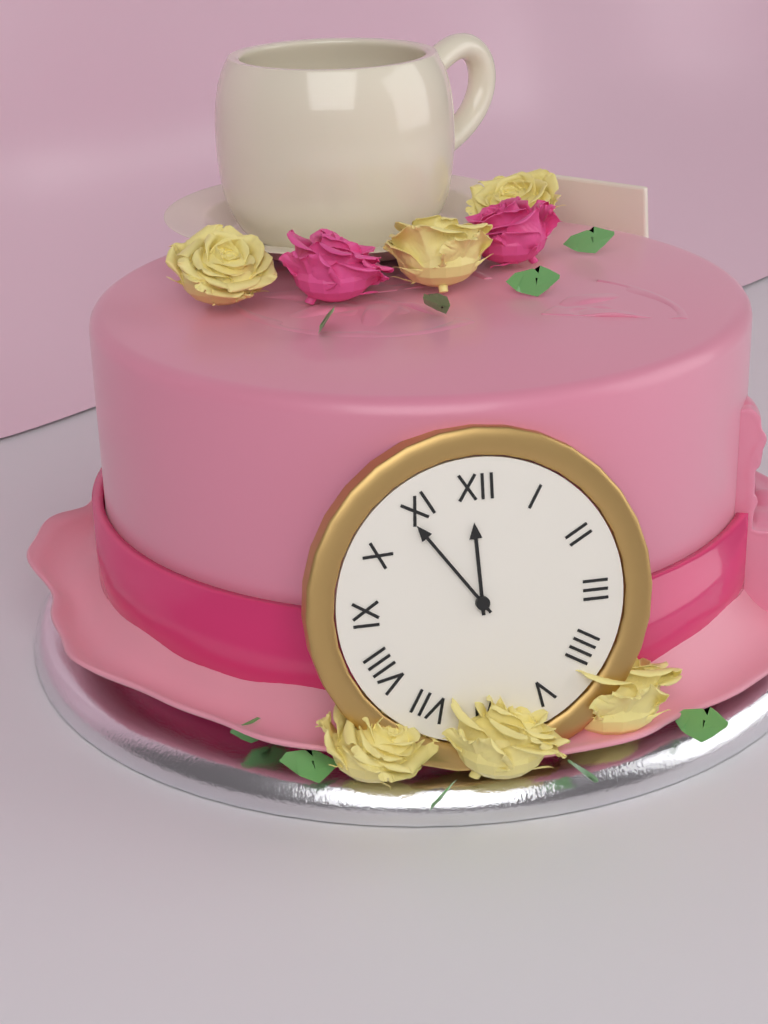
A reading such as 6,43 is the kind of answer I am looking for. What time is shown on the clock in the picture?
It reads 11,54
